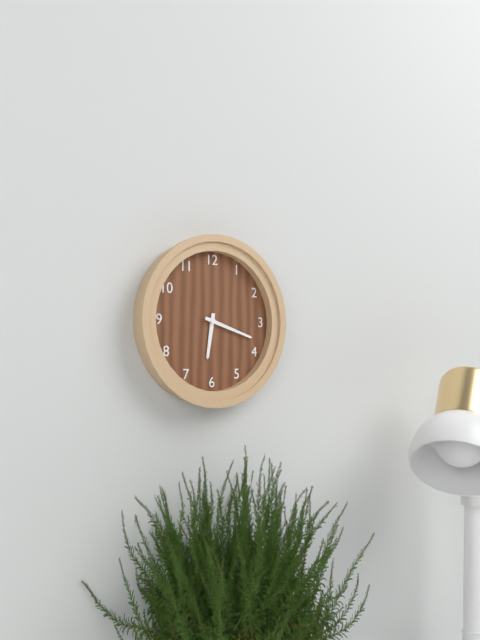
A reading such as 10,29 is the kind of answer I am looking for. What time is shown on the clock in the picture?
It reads 6,18
